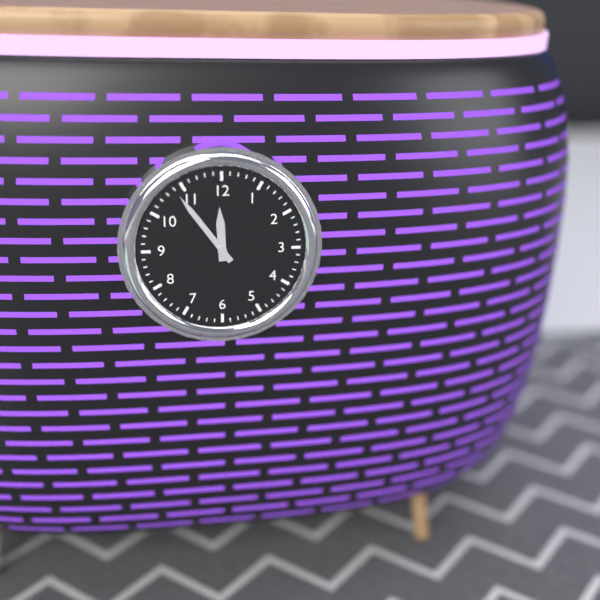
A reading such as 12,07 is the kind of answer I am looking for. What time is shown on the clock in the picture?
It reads 11,54
